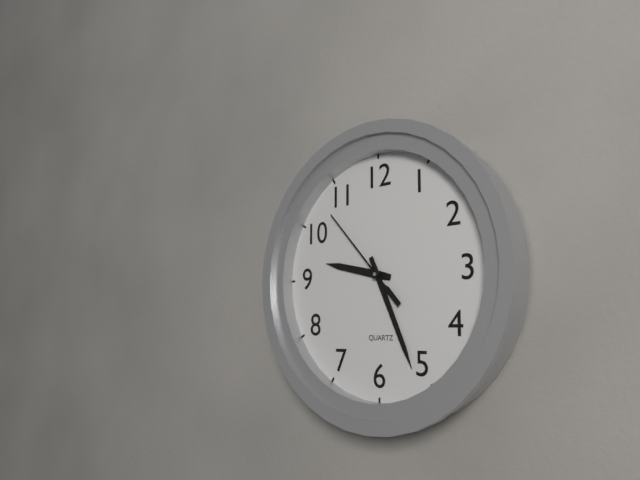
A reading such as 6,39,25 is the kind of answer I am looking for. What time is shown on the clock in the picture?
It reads 9,26,53
